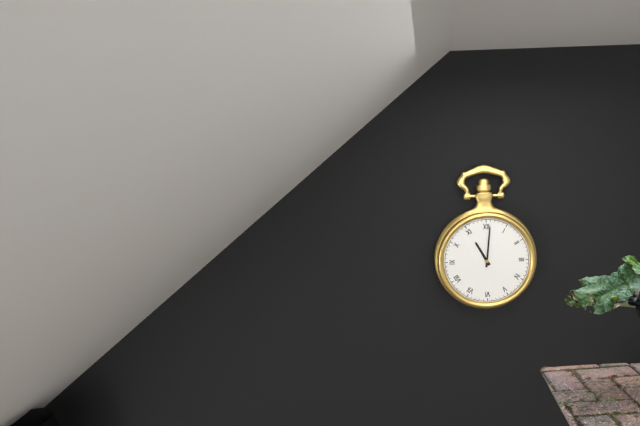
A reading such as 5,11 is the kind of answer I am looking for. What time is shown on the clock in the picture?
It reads 11,01
